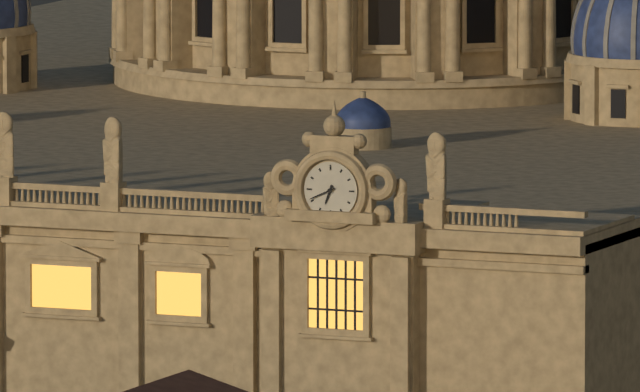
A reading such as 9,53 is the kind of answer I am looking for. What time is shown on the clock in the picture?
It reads 6,41
